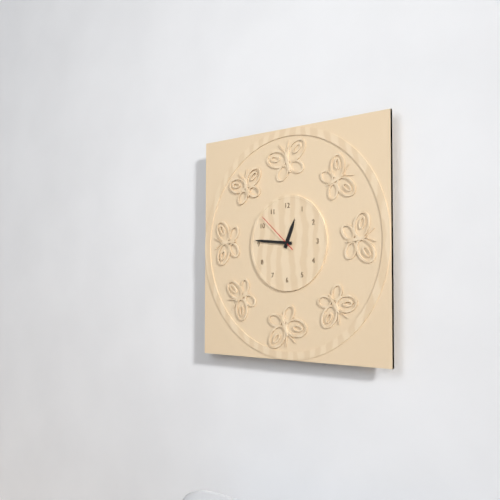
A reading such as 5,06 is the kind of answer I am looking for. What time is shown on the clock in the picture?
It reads 12,46
